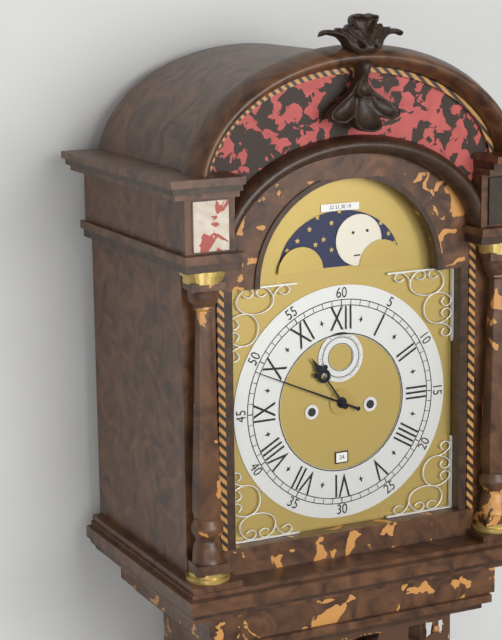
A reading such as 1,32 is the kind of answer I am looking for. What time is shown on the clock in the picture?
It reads 10,49
